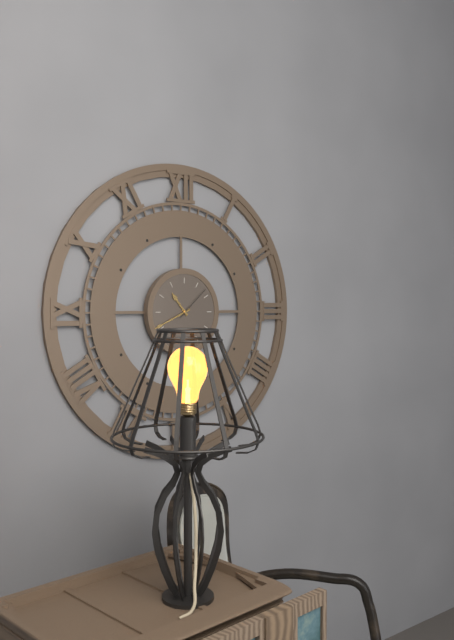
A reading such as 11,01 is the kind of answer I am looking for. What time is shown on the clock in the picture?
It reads 10,41
